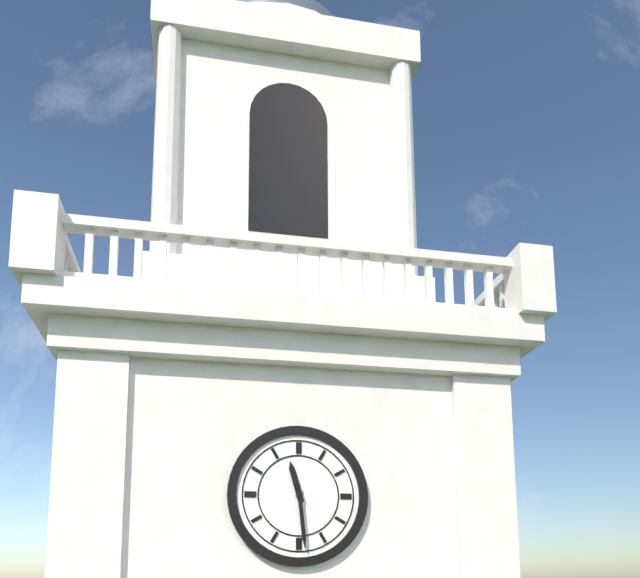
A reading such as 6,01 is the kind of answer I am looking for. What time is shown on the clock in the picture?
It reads 11,29
